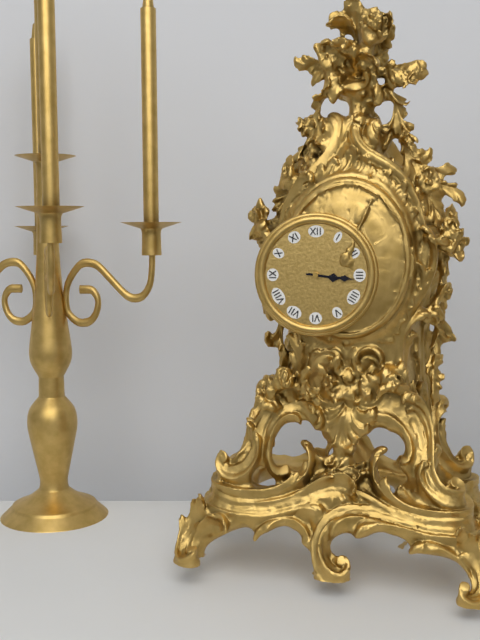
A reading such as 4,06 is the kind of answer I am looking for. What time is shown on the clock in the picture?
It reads 3,16
